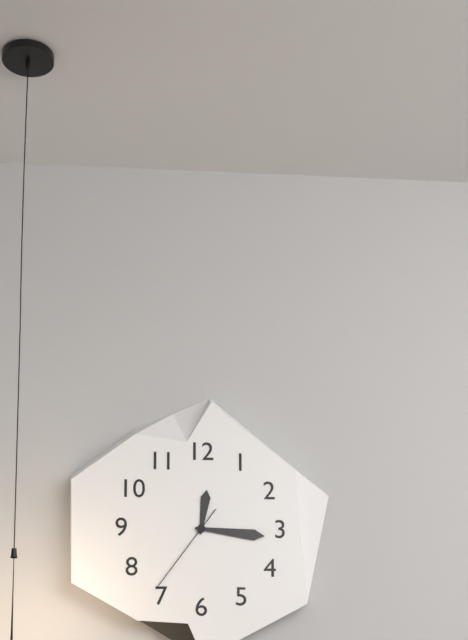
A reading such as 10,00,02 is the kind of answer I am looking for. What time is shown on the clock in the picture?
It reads 12,16,36
